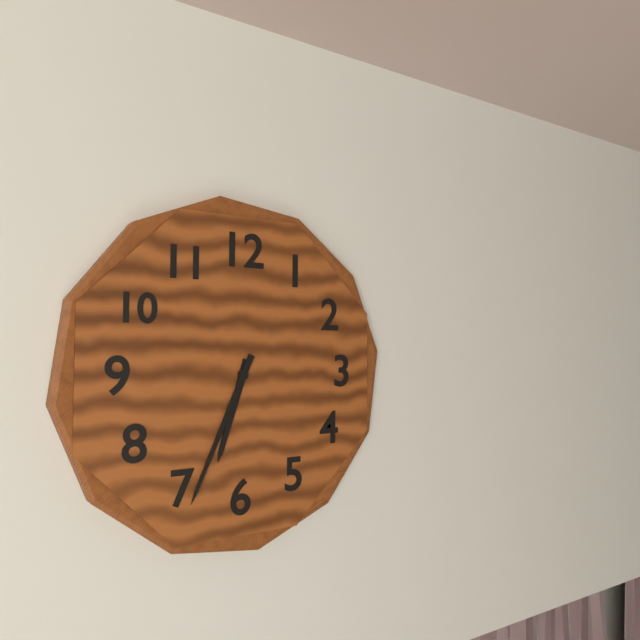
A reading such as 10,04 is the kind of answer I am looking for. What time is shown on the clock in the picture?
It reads 6,34
